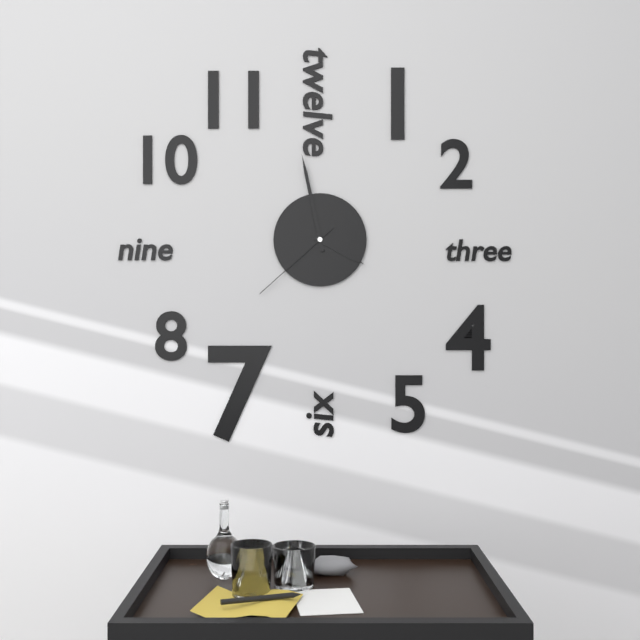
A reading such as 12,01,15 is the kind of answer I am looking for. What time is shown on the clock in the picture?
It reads 3,58,38
